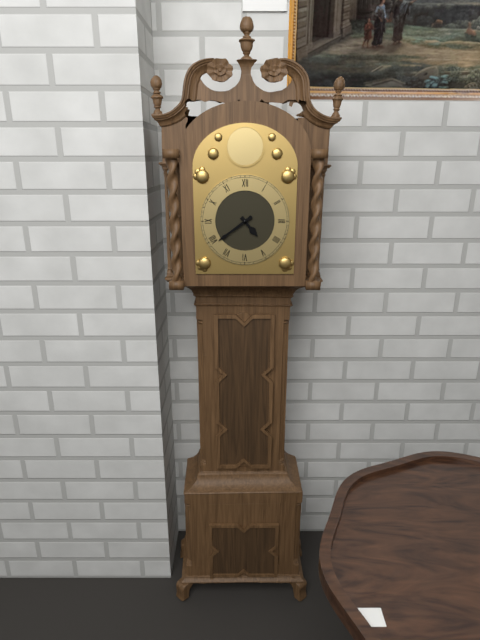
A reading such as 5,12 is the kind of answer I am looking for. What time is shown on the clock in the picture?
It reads 4,39
